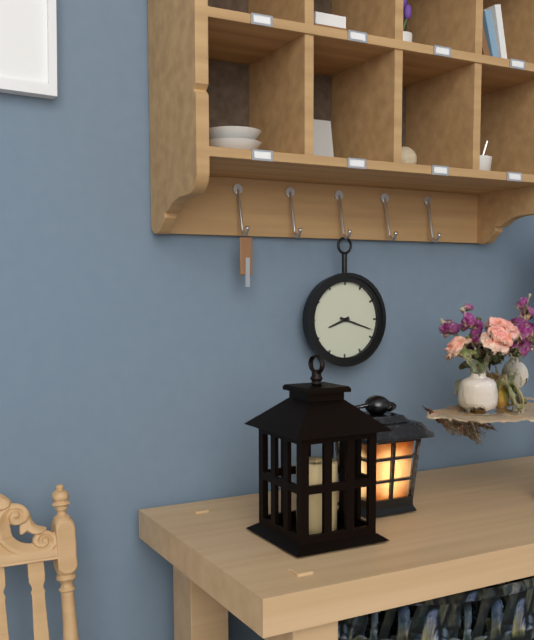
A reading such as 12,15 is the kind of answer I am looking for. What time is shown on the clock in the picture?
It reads 8,18
